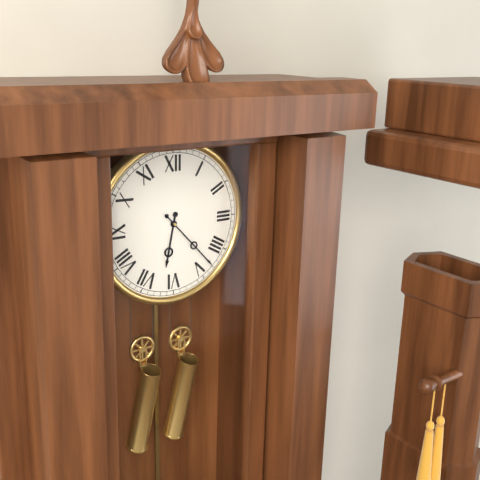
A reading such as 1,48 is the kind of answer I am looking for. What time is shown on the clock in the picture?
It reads 6,23
